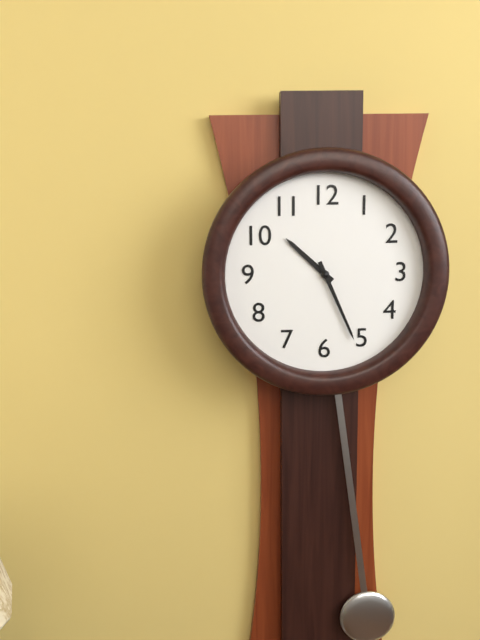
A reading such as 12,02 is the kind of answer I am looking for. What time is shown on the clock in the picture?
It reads 10,26
